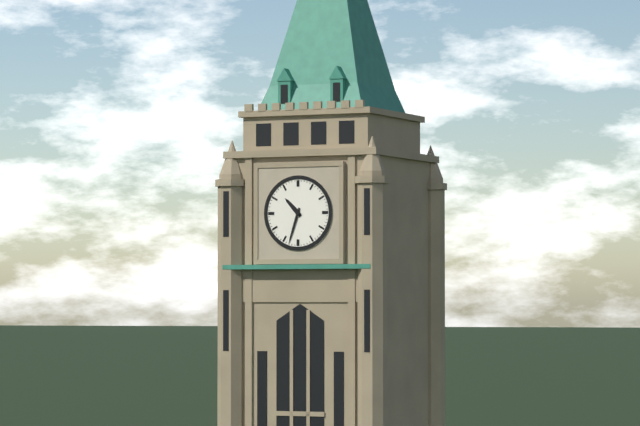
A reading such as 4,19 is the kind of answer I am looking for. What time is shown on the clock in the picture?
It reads 10,33
